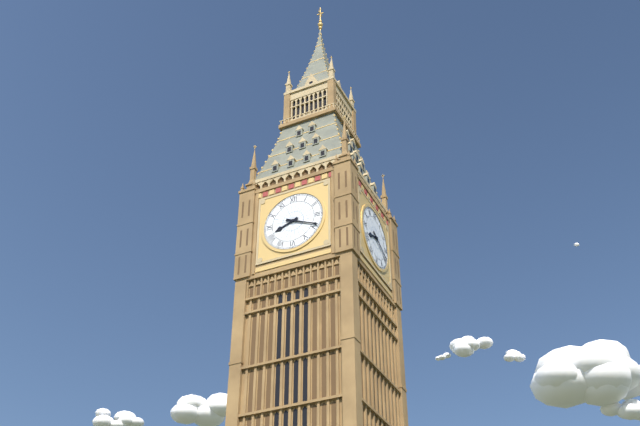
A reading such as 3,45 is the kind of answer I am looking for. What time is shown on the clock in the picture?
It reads 8,19
